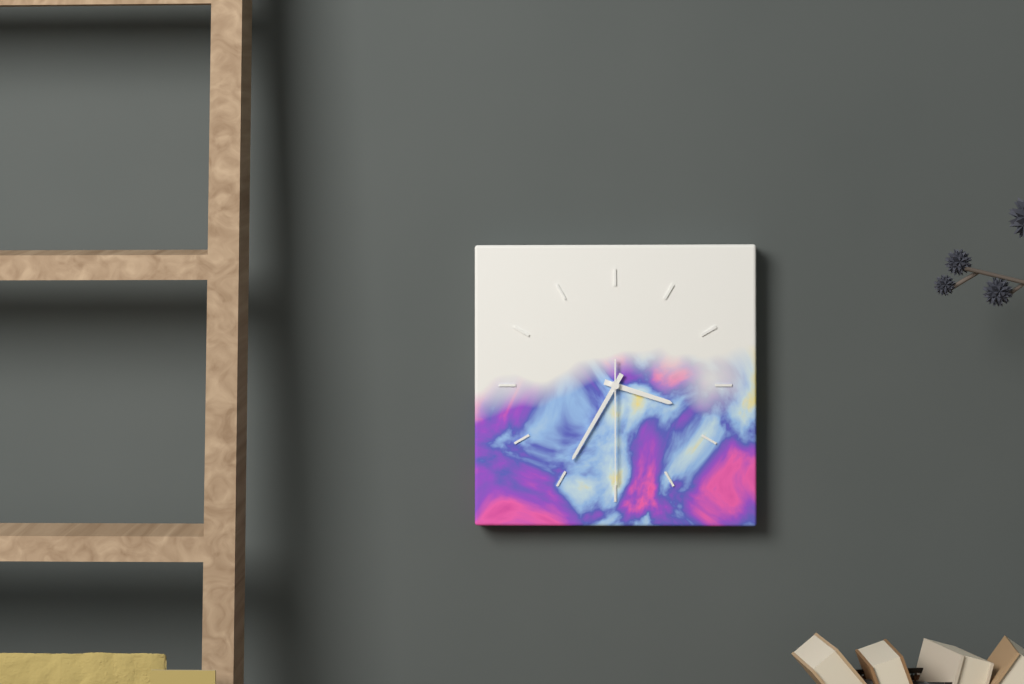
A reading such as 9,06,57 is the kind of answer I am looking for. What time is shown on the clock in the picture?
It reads 3,35,30
